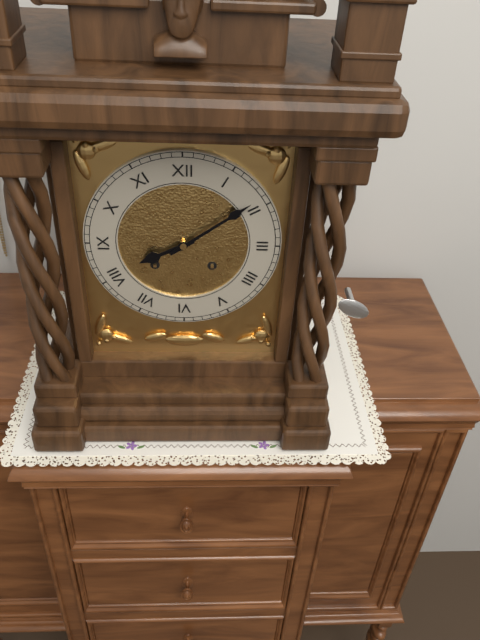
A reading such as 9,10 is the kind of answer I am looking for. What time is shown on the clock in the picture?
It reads 8,09
